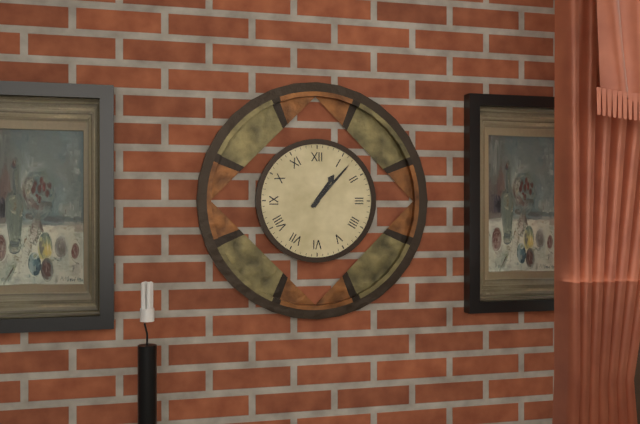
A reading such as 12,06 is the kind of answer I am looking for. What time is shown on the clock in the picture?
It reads 1,07
